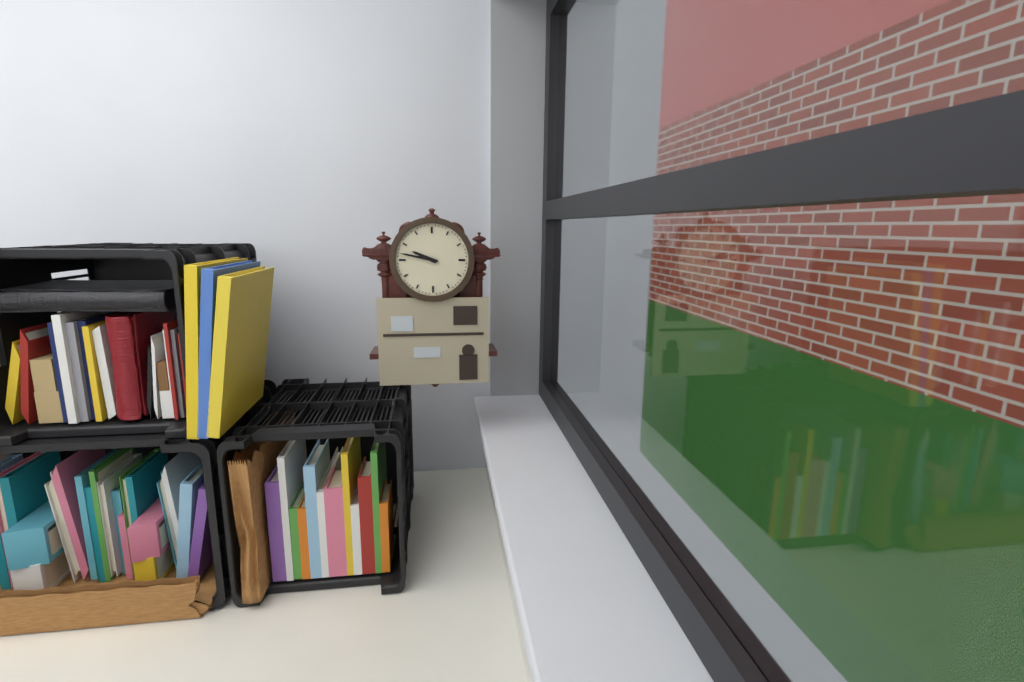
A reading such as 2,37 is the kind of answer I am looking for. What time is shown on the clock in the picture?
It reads 9,47
